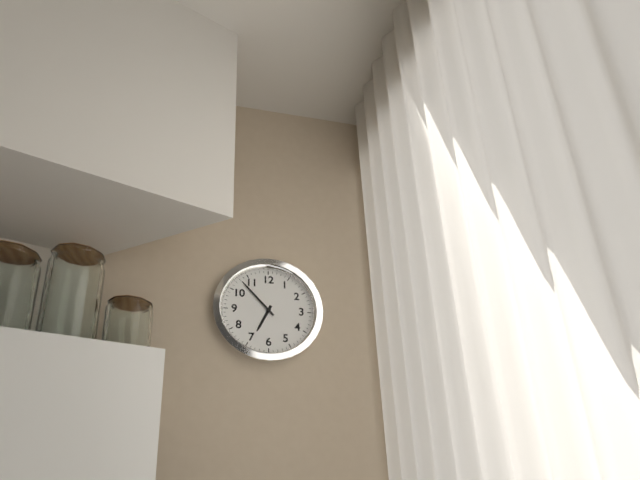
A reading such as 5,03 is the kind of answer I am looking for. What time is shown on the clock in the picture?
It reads 6,53
